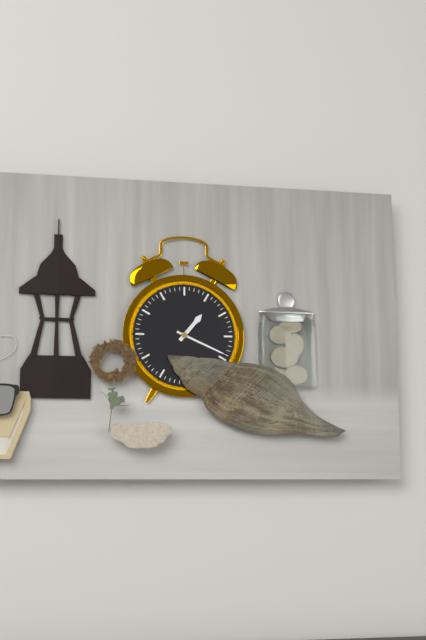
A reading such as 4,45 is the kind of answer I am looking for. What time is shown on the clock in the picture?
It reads 1,19
